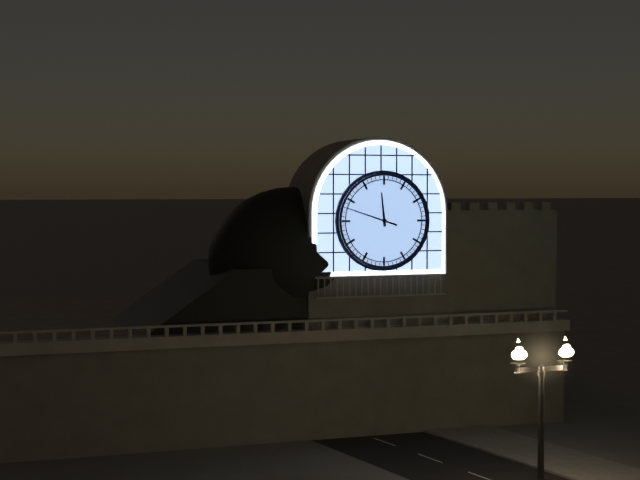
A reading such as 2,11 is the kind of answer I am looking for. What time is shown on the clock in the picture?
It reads 11,48
